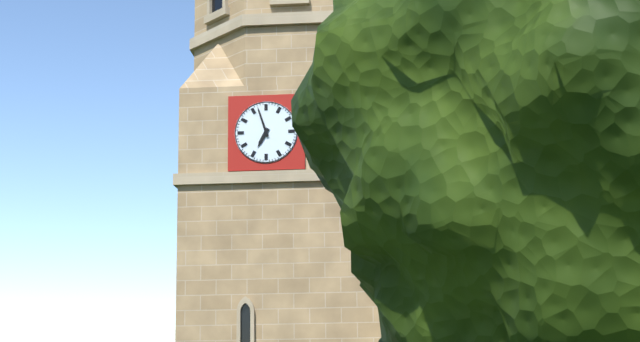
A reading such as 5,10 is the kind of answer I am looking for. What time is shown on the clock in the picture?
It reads 6,57
